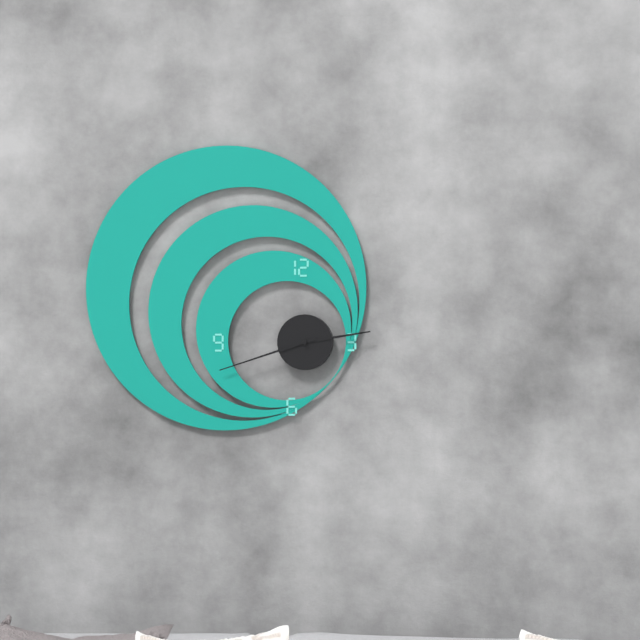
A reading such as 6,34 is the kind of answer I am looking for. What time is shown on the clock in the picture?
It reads 2,42
